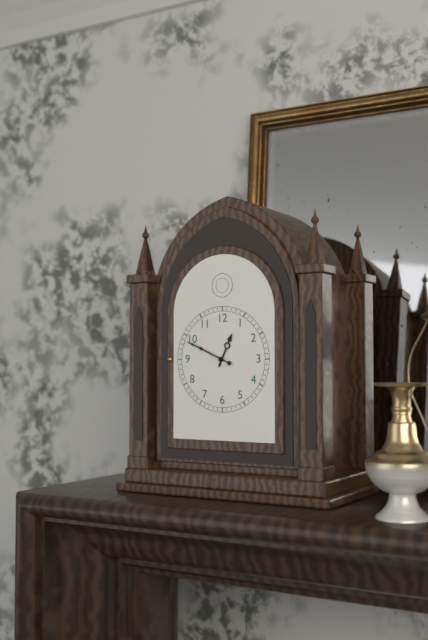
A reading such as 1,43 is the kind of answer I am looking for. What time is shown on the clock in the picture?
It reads 12,49
